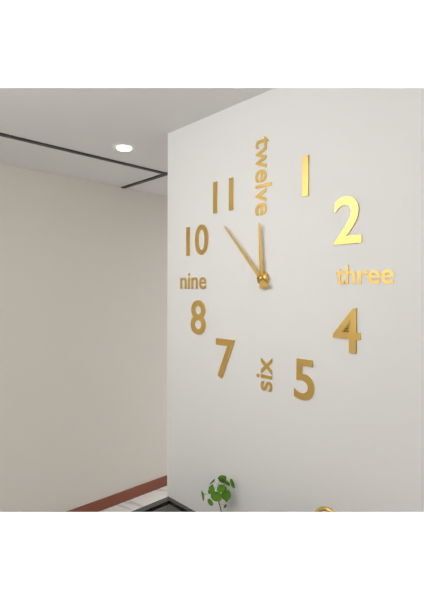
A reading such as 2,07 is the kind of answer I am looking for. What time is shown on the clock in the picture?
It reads 11,53
